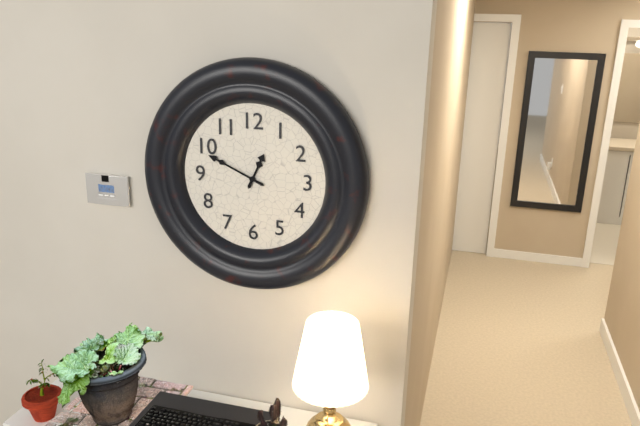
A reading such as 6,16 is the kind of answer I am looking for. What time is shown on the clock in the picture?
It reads 12,49
